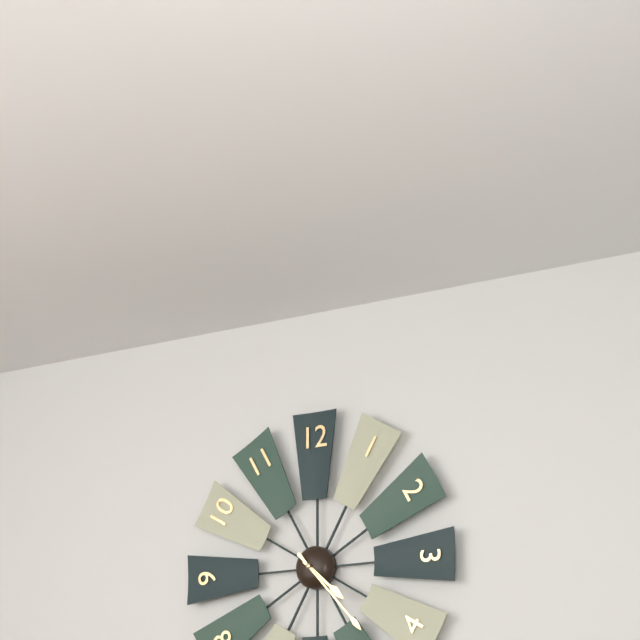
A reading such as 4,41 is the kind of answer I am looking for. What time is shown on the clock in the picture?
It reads 4,23
